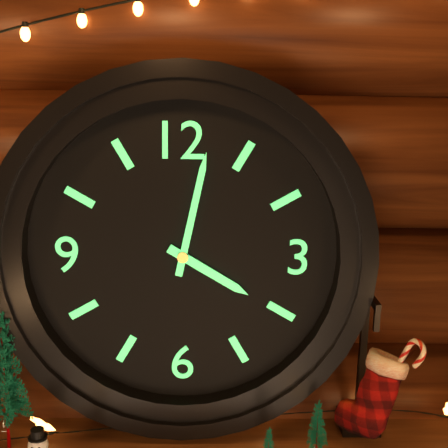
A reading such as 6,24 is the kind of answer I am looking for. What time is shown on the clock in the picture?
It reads 4,02
